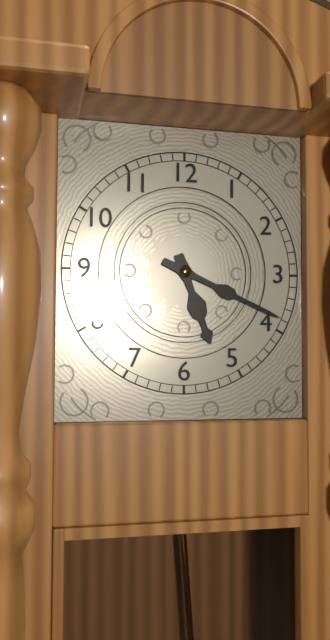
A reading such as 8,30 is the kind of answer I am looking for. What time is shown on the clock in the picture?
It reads 5,19
